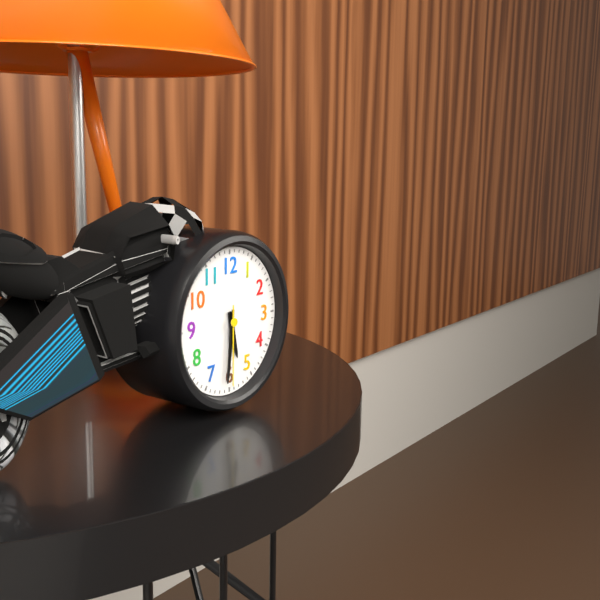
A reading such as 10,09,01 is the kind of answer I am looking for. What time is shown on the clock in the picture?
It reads 5,31,30
